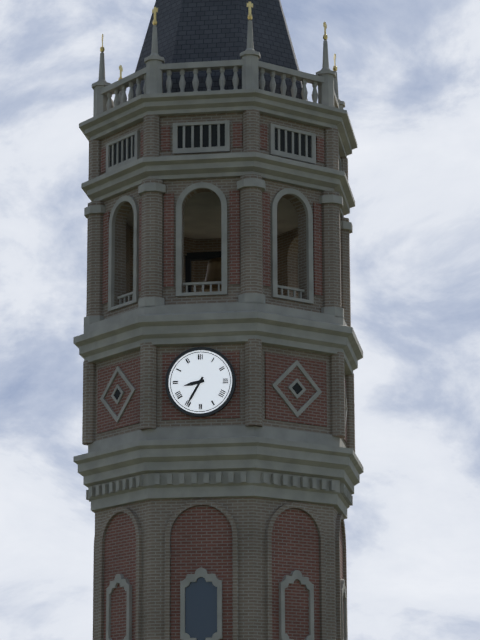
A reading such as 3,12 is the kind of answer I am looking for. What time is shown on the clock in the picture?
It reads 8,35
